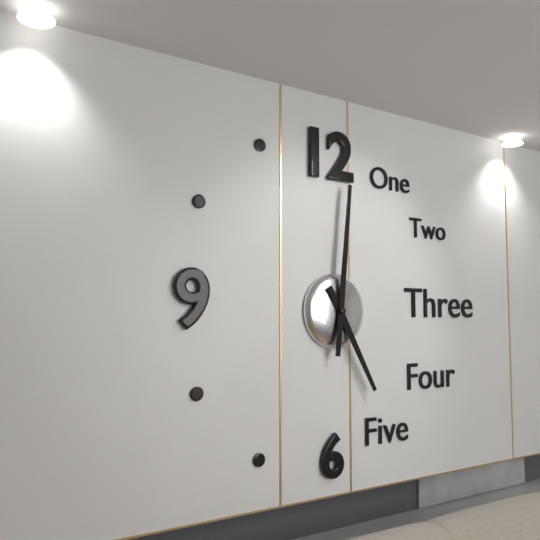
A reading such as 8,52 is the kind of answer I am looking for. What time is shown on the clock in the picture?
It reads 5,01
